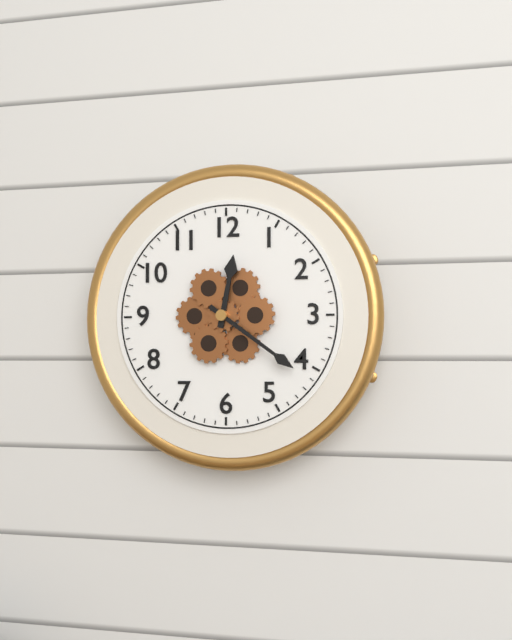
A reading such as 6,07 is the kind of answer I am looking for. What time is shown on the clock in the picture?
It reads 12,21
